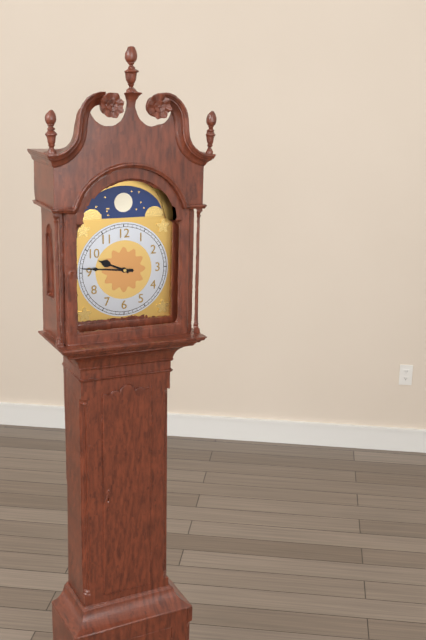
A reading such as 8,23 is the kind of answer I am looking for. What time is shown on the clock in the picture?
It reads 9,46
